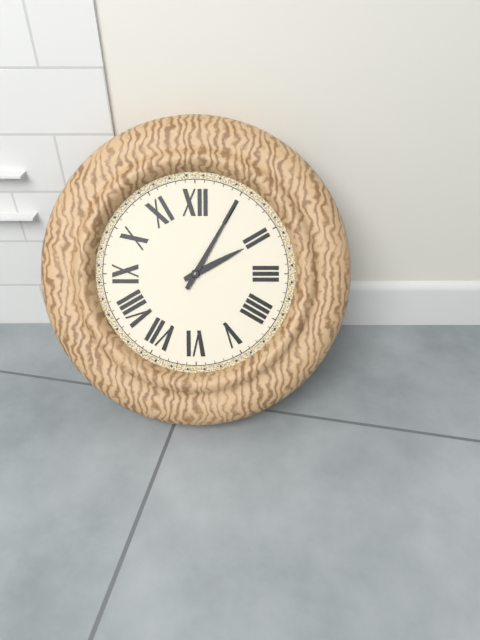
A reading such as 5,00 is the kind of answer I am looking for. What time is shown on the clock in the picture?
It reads 2,05
